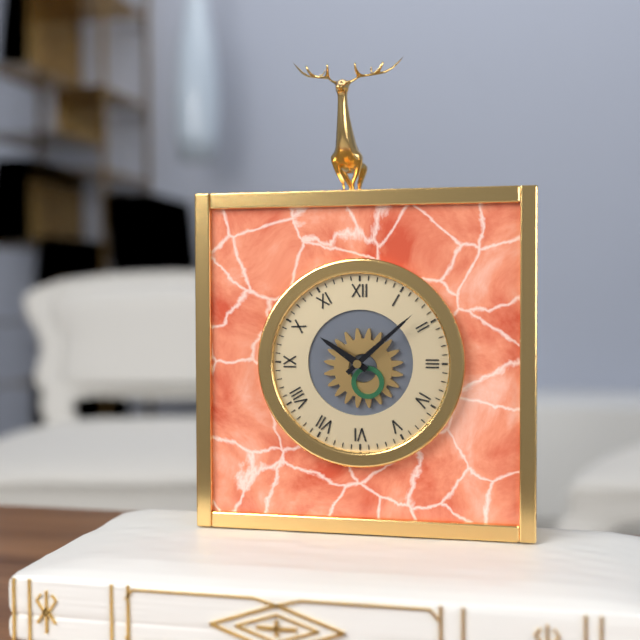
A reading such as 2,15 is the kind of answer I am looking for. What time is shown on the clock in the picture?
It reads 10,08
